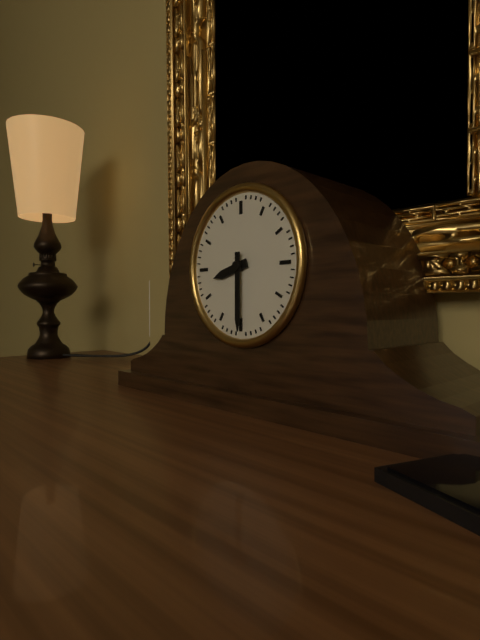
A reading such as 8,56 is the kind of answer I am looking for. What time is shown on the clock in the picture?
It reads 8,30
